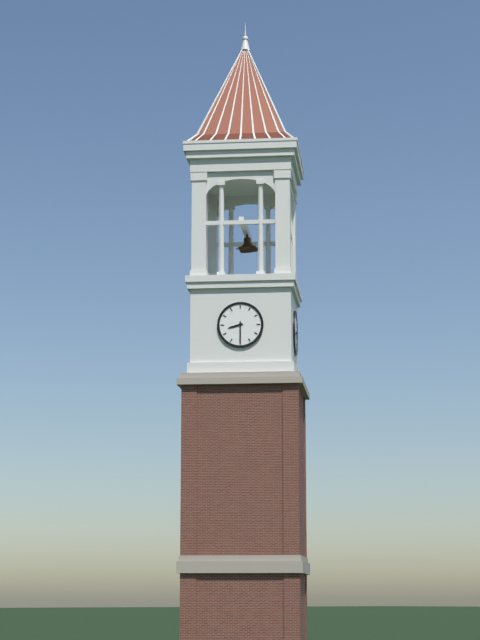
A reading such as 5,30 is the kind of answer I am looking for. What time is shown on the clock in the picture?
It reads 8,30
